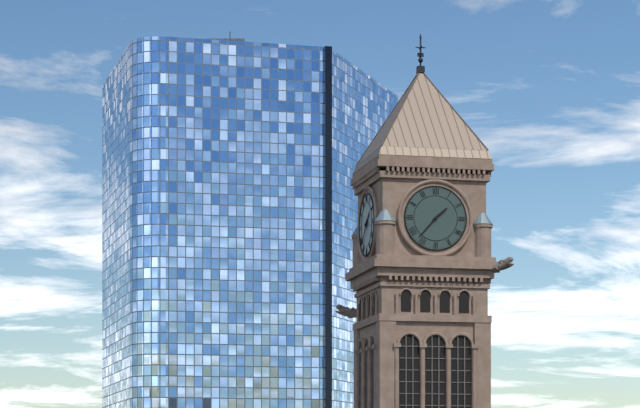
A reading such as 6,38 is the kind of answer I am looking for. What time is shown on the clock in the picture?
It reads 1,37
